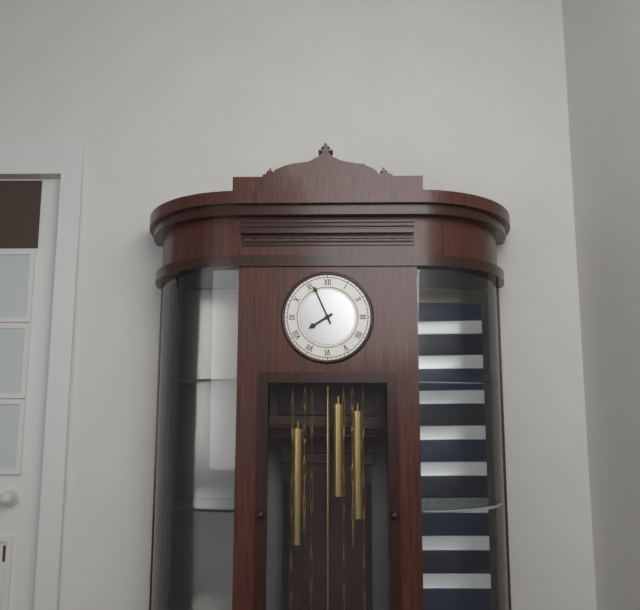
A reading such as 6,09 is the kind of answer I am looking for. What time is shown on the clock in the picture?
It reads 7,56
